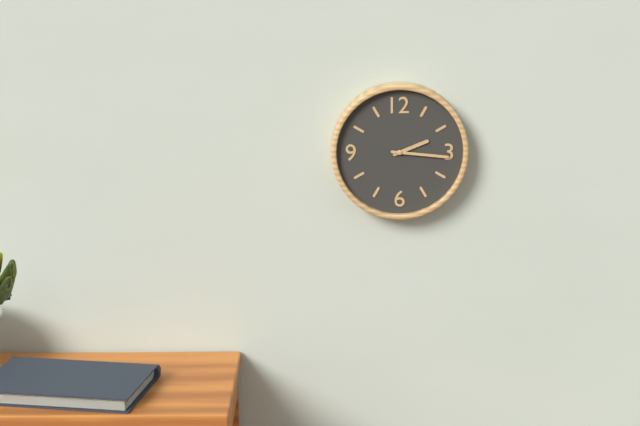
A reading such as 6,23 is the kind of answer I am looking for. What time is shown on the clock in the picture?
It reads 2,16
